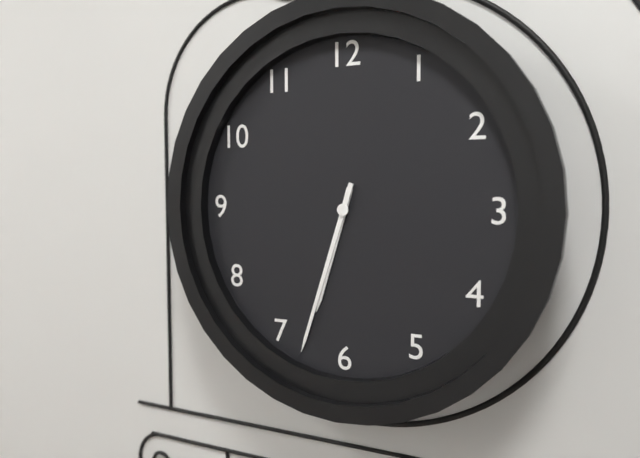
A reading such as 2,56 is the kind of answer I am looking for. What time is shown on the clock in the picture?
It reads 6,33
